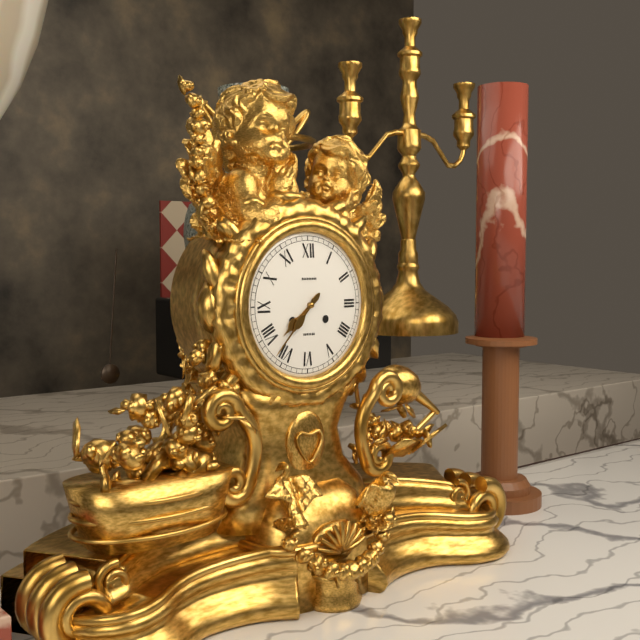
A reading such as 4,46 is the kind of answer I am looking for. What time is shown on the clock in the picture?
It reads 7,37
